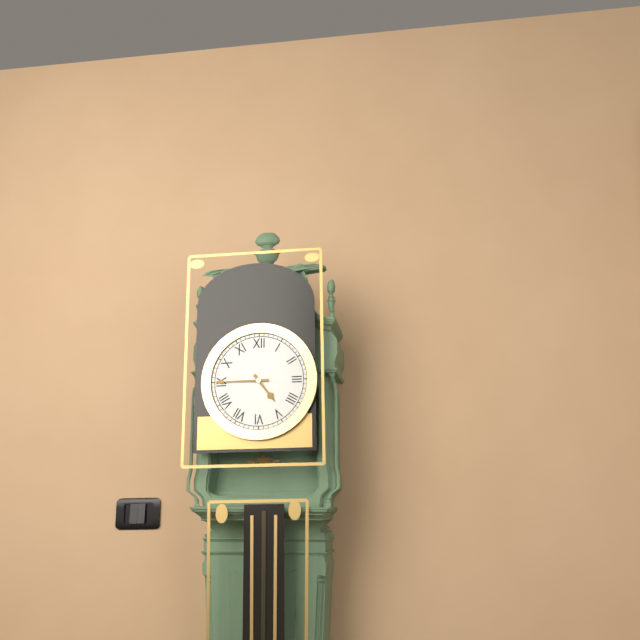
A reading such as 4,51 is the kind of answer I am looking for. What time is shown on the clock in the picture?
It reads 4,45
